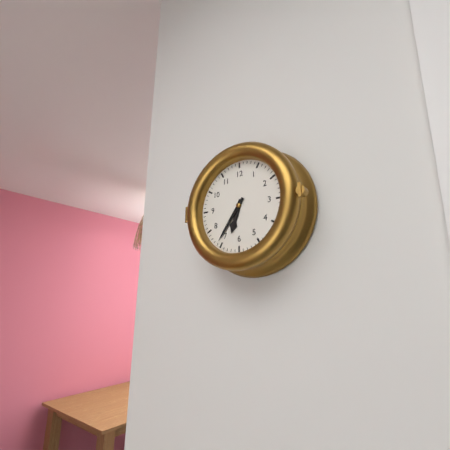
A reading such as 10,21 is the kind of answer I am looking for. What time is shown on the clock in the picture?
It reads 6,36
